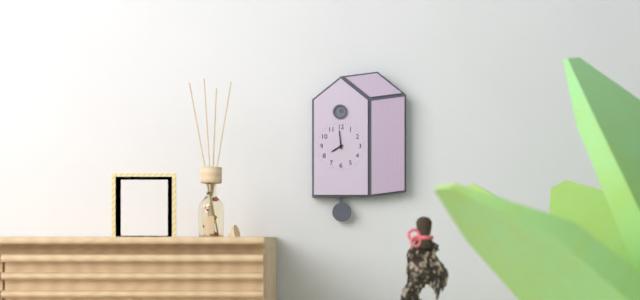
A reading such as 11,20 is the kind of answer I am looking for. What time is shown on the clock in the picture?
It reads 7,59
